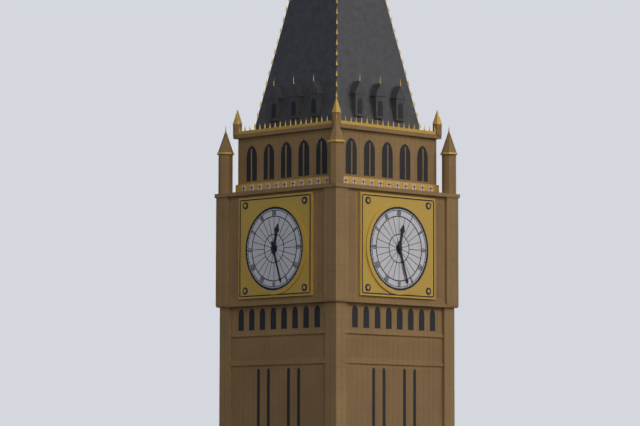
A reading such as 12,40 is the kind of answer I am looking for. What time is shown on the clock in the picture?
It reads 12,27
